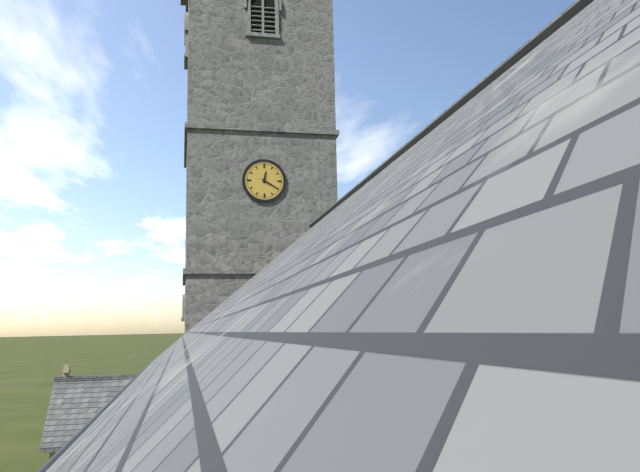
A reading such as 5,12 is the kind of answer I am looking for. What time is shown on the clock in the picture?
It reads 12,20
